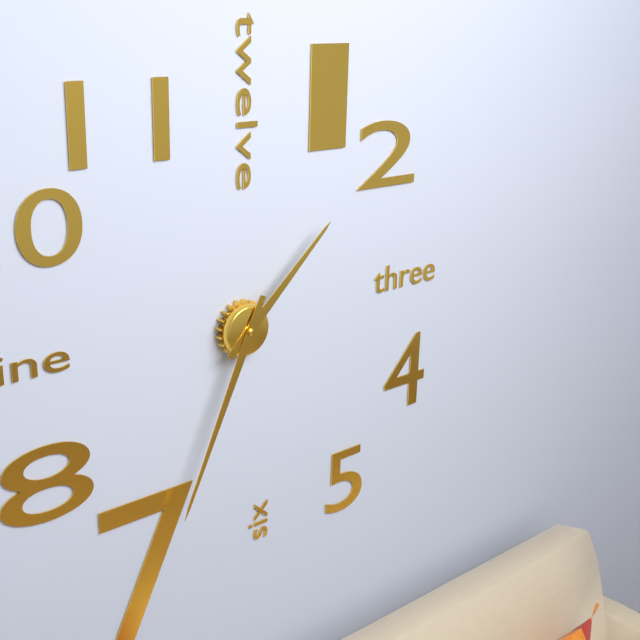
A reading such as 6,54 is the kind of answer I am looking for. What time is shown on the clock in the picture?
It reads 1,34
